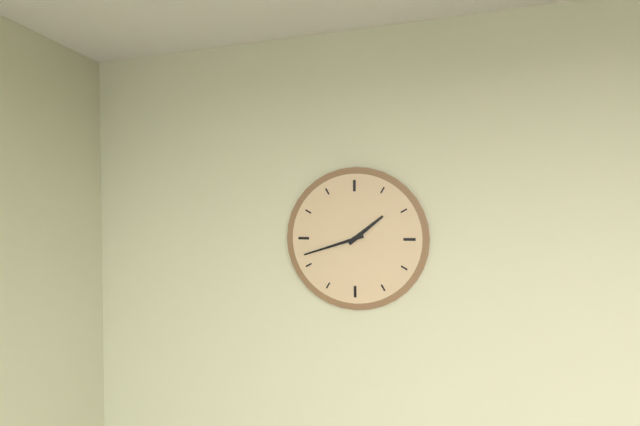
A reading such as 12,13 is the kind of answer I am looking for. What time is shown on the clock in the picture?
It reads 1,42
